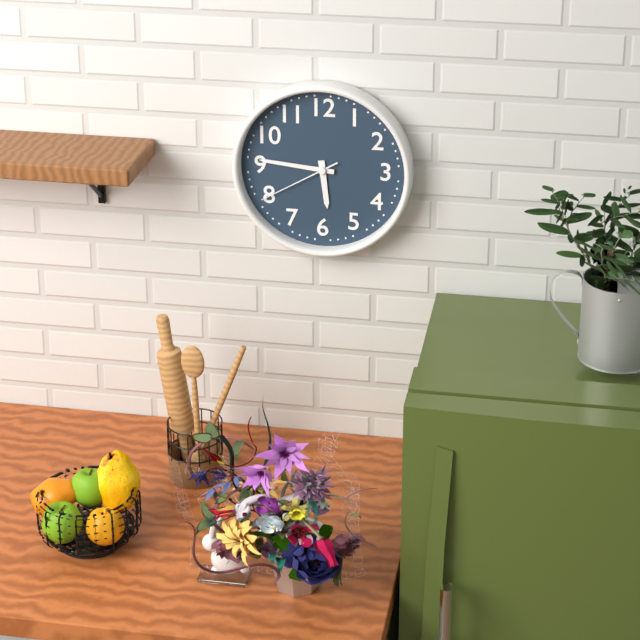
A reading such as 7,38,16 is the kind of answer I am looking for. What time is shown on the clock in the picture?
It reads 5,46,40
